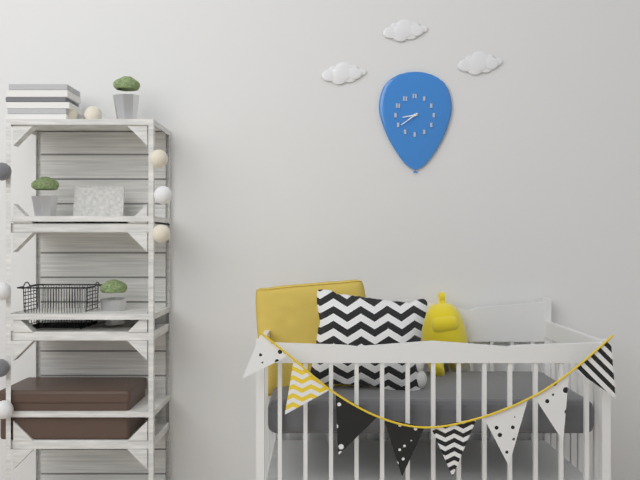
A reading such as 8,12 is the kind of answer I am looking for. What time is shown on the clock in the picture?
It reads 8,39
